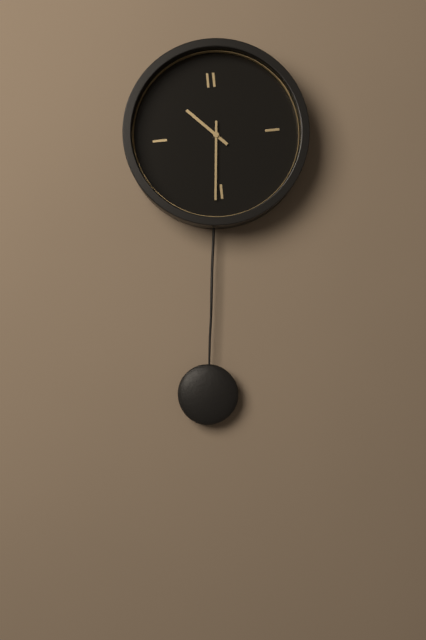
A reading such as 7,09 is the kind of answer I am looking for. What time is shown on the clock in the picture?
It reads 10,31
